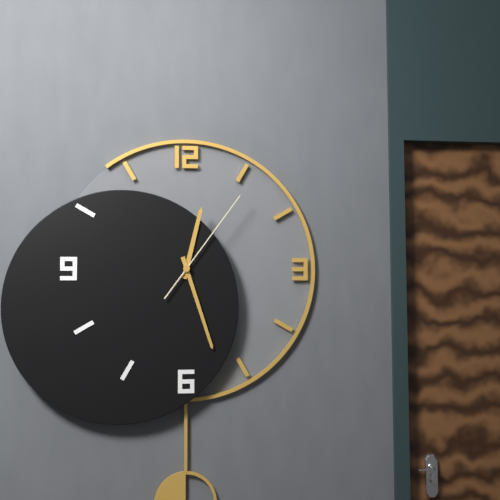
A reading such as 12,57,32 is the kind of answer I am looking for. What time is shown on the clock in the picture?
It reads 12,27,06
